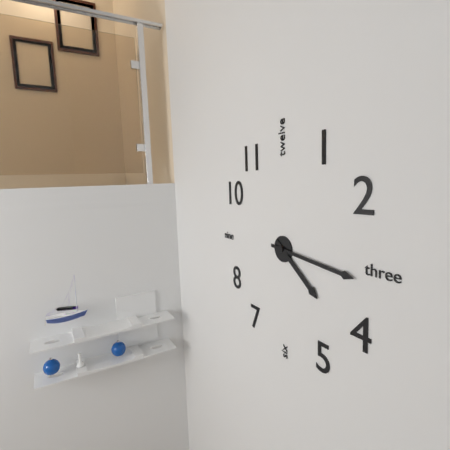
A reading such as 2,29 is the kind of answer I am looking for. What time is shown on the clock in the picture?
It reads 4,16
